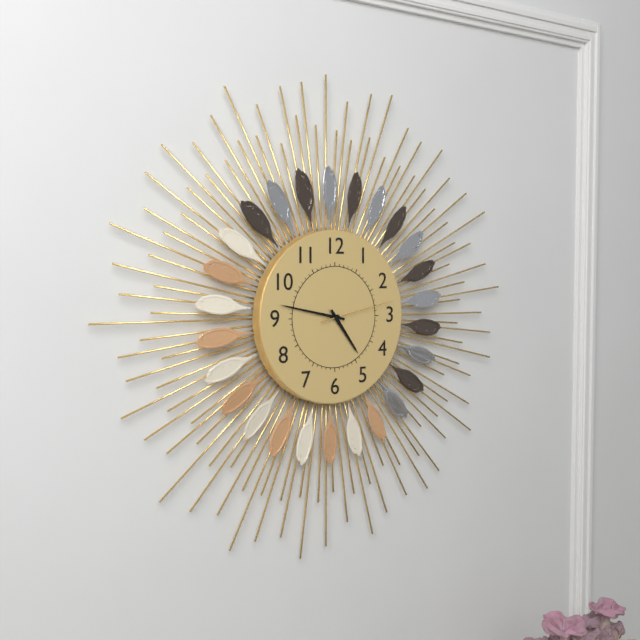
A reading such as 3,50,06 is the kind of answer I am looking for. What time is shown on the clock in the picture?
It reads 4,47,13
